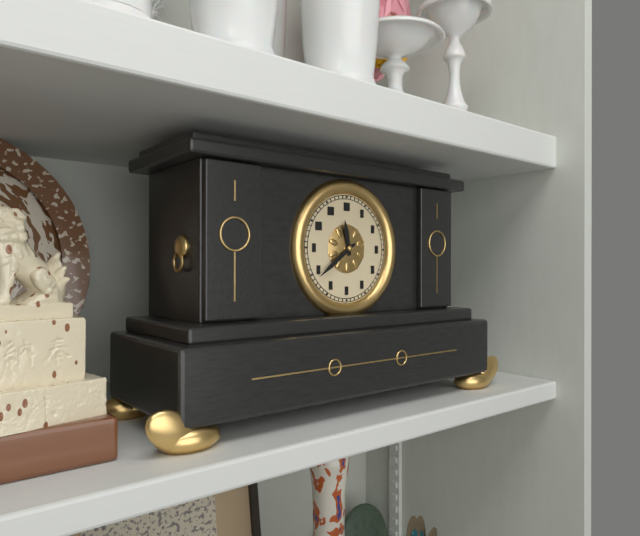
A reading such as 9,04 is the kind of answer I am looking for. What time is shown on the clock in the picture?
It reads 11,39
